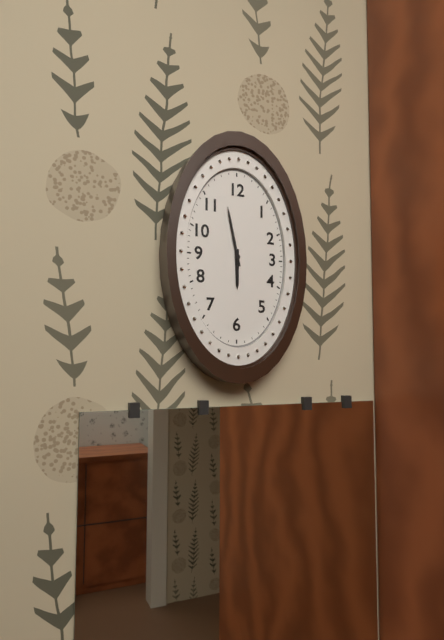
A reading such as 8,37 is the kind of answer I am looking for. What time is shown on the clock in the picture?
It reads 5,58
